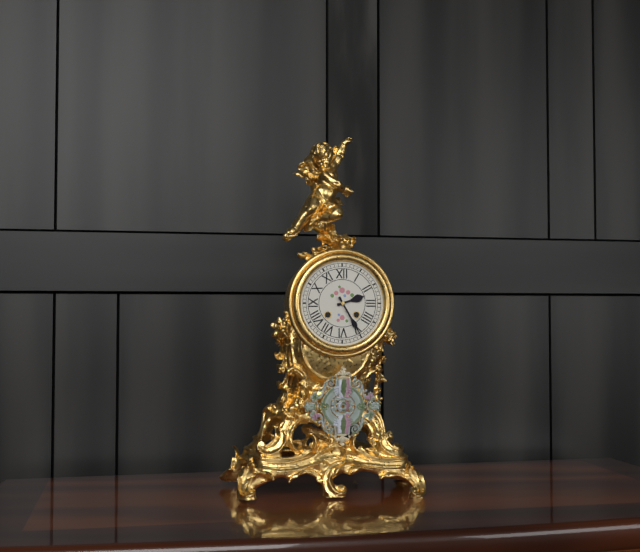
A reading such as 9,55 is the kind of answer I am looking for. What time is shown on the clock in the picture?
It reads 2,25
